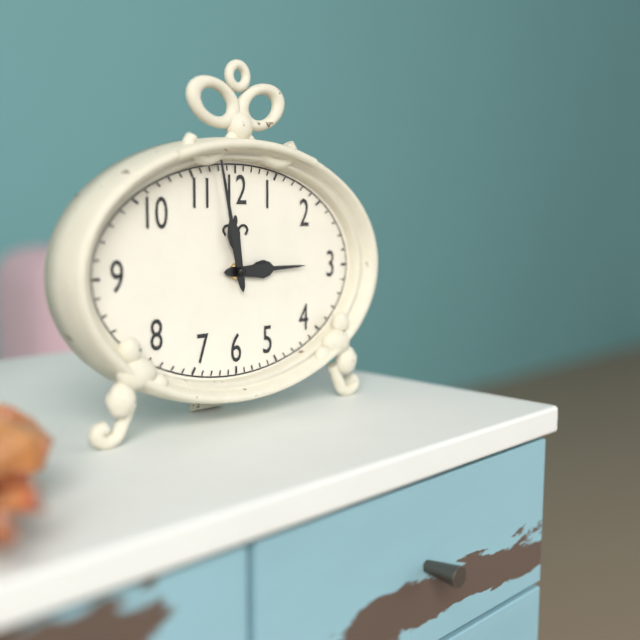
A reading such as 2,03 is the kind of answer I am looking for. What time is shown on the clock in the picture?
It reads 2,58
